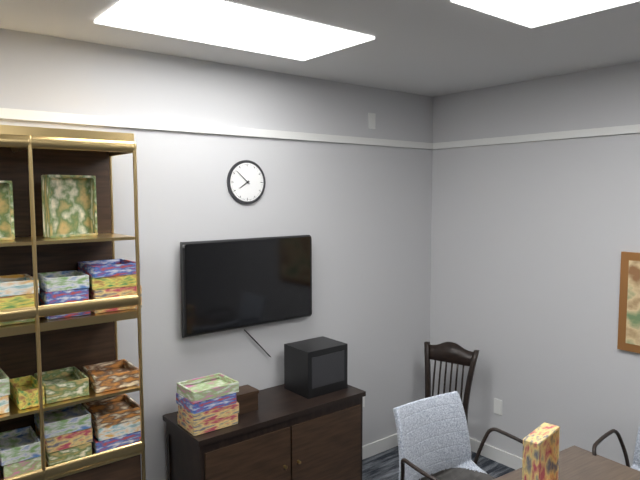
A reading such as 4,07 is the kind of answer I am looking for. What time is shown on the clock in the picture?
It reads 7,52
